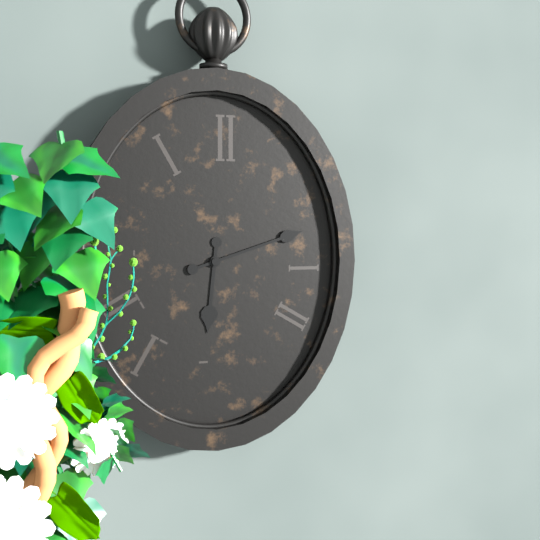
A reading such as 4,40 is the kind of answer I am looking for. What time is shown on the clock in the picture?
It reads 6,12
